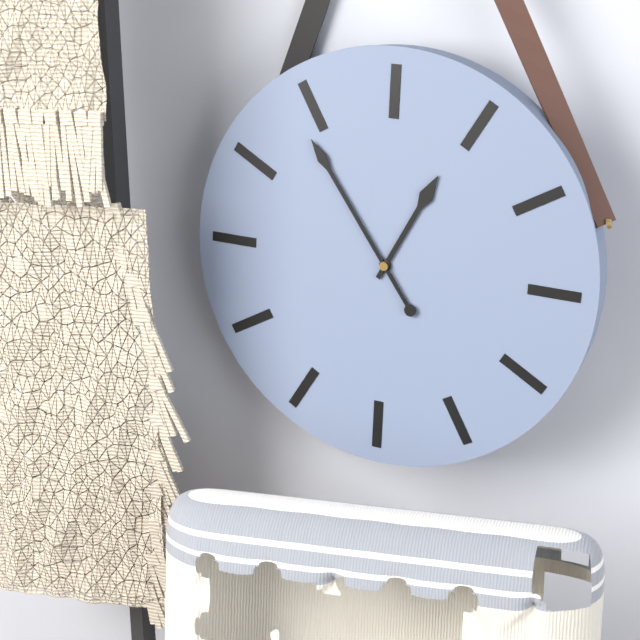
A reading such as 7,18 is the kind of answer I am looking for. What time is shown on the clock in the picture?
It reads 12,54
